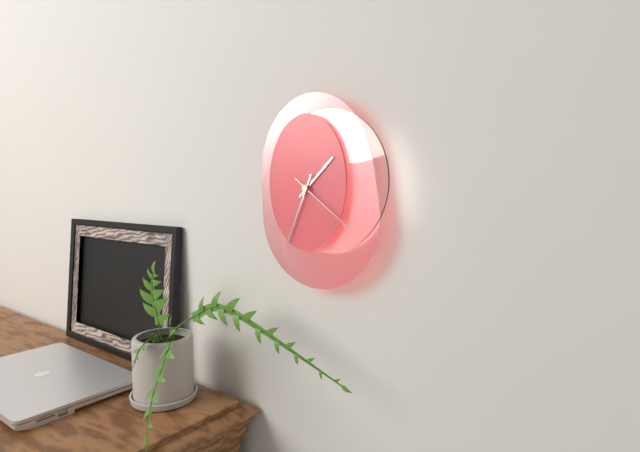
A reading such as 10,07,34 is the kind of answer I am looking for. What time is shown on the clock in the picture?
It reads 1,34,21
